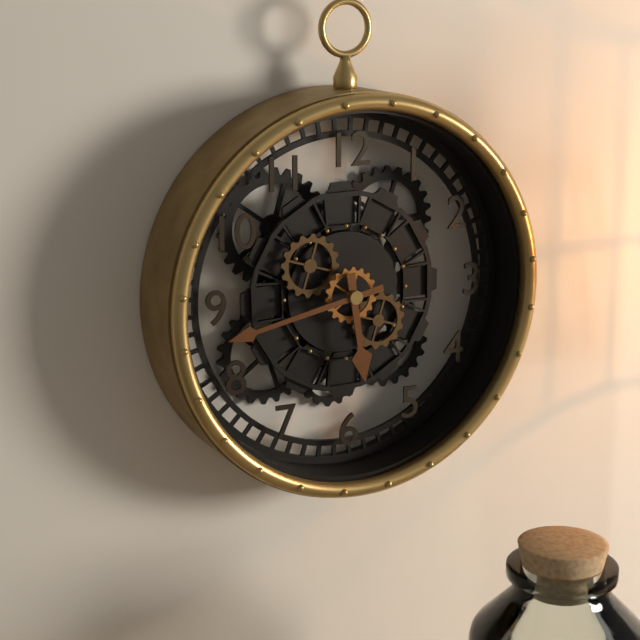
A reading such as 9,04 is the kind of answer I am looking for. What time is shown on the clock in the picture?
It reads 5,43
